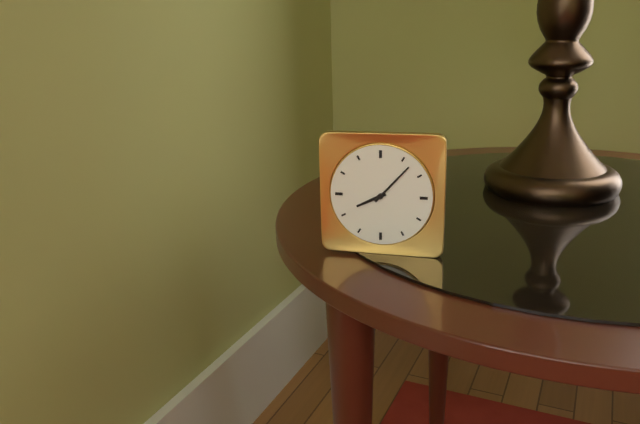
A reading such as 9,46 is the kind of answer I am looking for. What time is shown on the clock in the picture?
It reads 8,07
